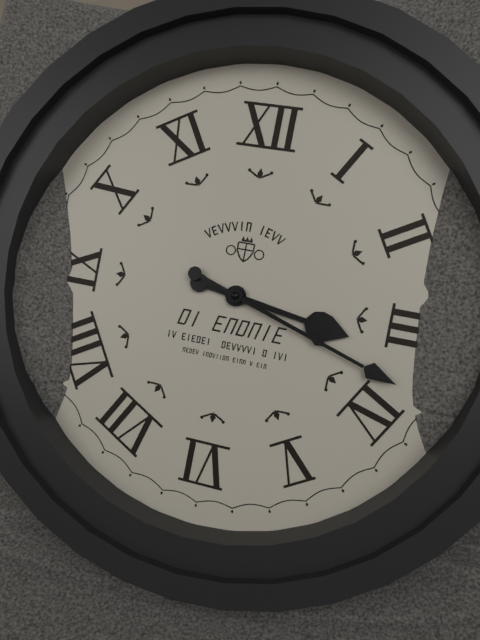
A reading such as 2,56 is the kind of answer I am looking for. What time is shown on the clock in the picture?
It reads 3,18
